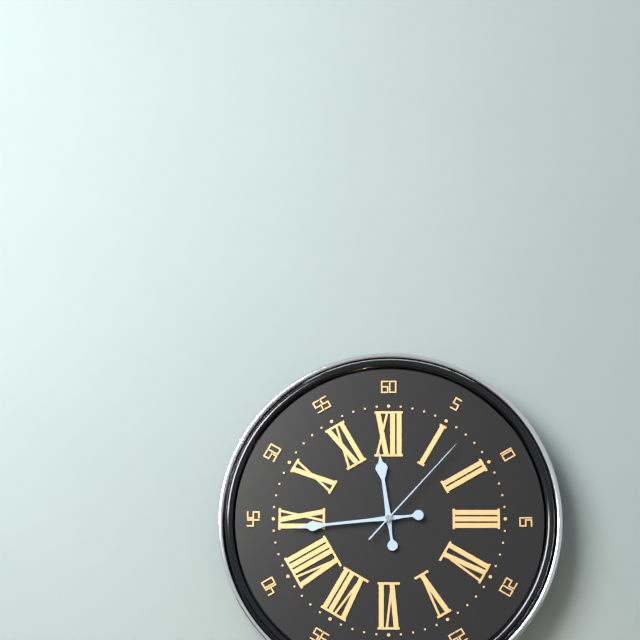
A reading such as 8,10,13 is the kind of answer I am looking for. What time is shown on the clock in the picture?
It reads 11,44,07
